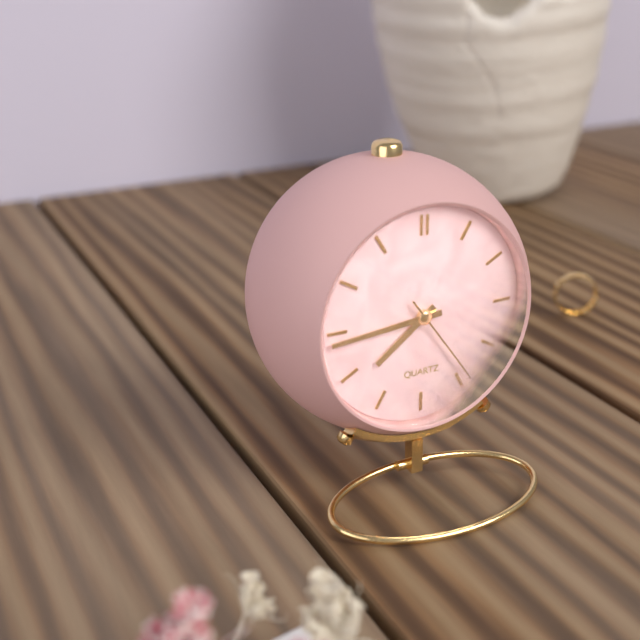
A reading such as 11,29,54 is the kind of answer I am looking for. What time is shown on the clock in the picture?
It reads 7,44,24
